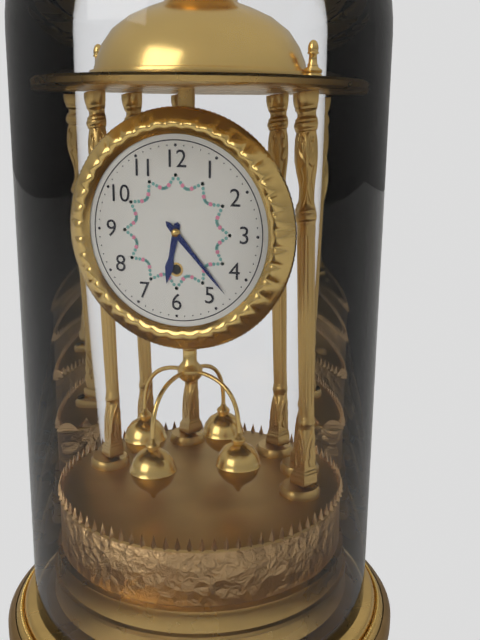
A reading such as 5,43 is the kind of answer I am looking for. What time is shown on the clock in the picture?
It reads 6,23
